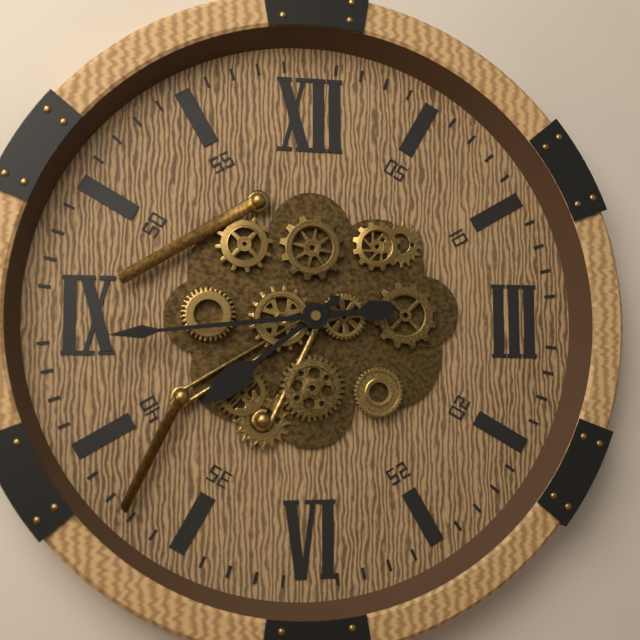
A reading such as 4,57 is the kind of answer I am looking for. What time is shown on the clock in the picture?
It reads 7,44
